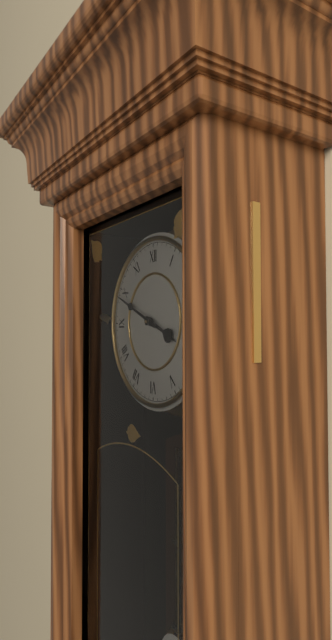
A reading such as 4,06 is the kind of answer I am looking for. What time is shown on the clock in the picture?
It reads 3,49
